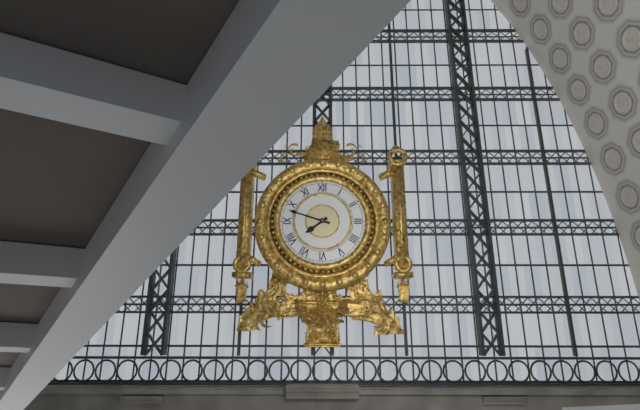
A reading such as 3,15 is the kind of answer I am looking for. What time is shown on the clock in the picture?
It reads 7,48
